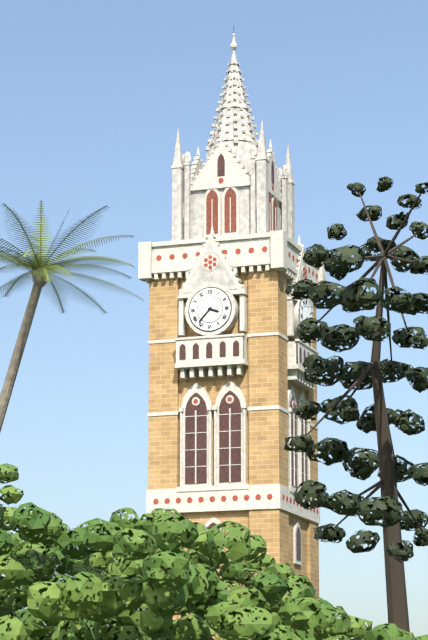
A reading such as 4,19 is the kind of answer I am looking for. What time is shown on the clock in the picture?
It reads 3,37
